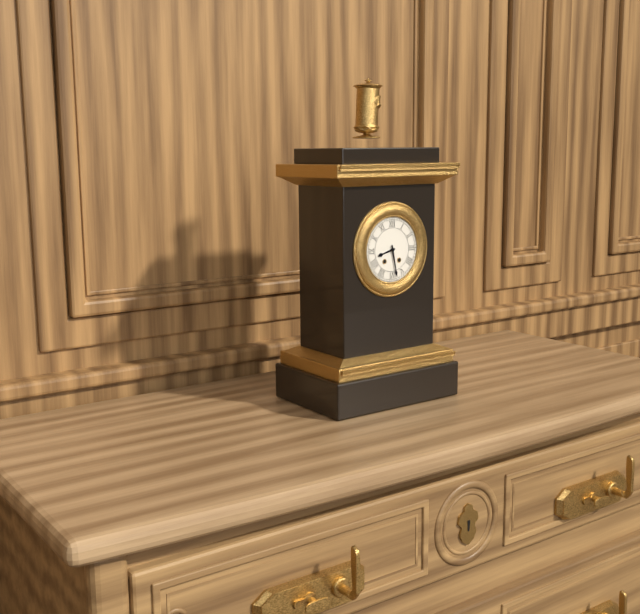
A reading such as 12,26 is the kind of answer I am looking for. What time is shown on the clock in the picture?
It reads 8,28
